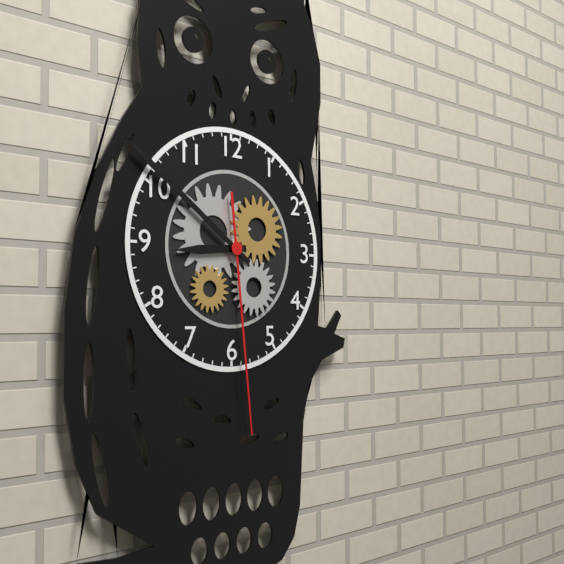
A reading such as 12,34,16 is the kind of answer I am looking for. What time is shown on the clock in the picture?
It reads 8,51,29
